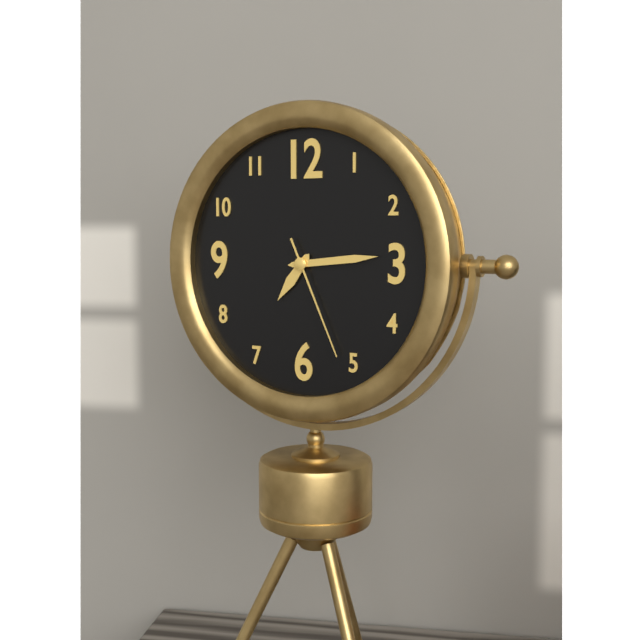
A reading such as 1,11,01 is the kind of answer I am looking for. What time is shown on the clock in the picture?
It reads 7,14,26
